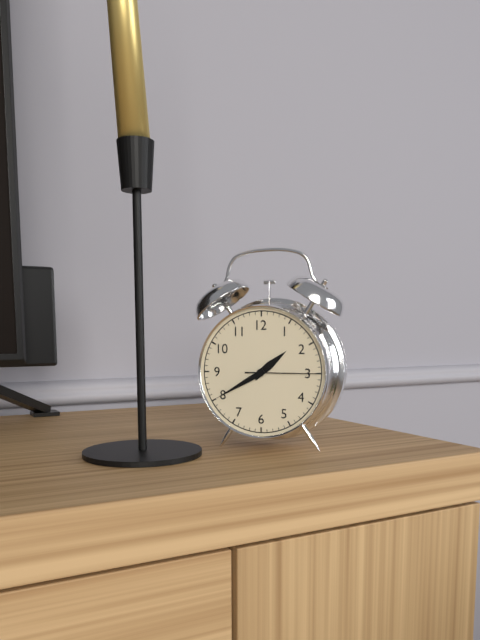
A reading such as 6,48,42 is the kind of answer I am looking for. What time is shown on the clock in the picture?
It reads 1,40,15
